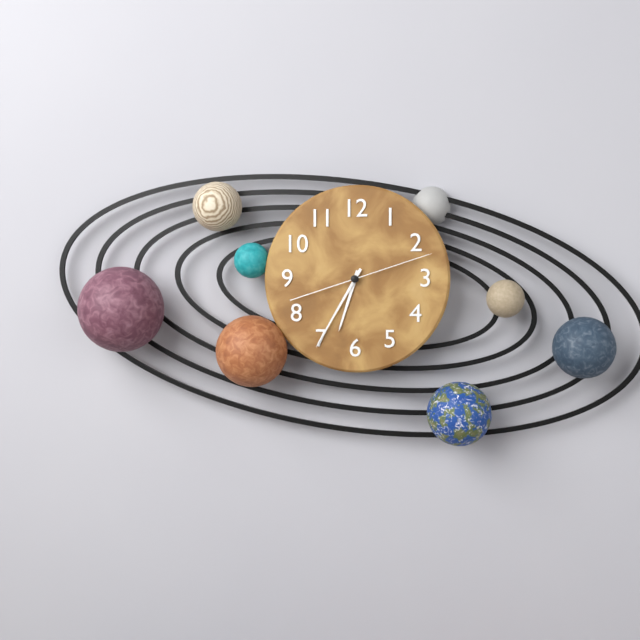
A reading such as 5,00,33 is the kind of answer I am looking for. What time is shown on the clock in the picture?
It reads 6,35,12
